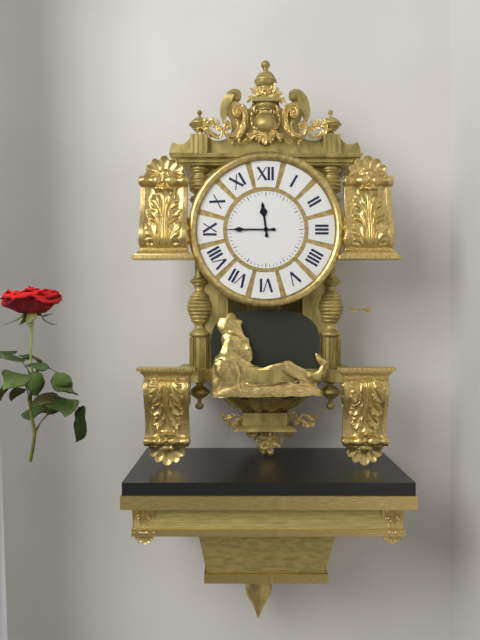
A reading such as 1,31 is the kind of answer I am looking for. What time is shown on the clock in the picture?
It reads 11,45
